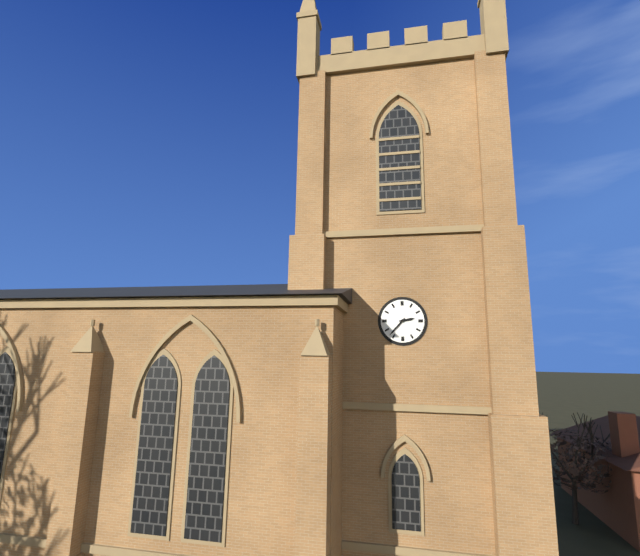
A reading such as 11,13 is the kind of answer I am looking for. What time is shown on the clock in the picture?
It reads 2,37
